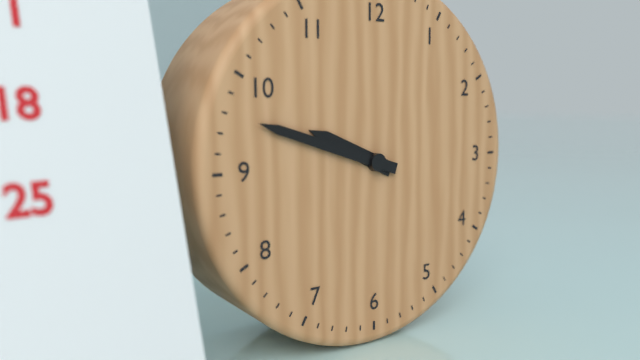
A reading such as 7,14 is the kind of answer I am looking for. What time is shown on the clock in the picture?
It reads 9,48
